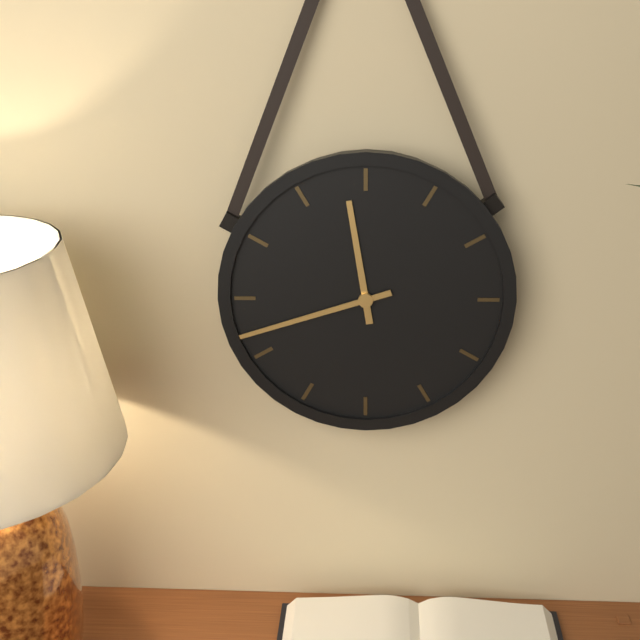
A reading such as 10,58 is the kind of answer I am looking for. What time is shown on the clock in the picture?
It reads 11,42
